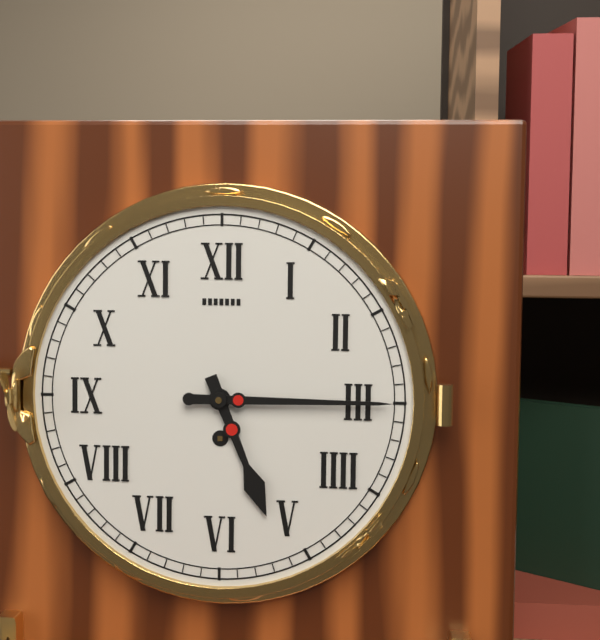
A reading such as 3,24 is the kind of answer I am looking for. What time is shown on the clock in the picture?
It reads 5,15
